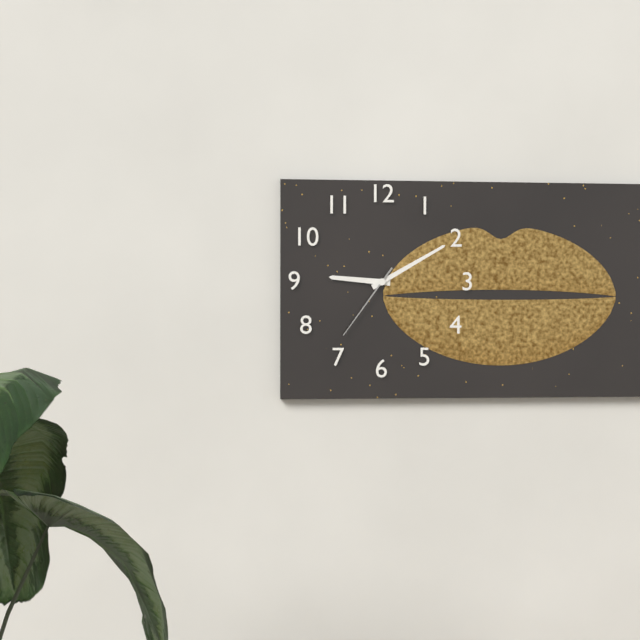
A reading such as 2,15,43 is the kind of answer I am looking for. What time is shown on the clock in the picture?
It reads 9,10,36
